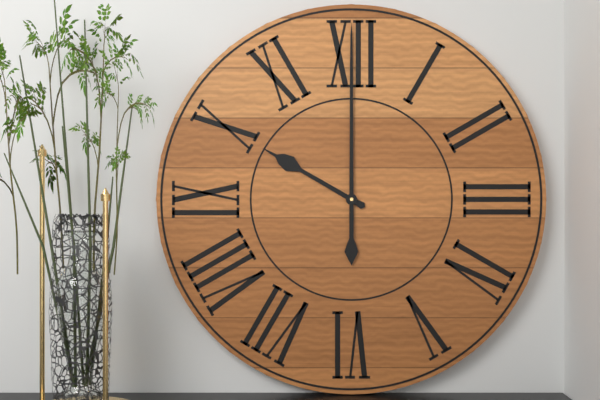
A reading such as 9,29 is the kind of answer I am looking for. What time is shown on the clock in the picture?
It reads 10,00
